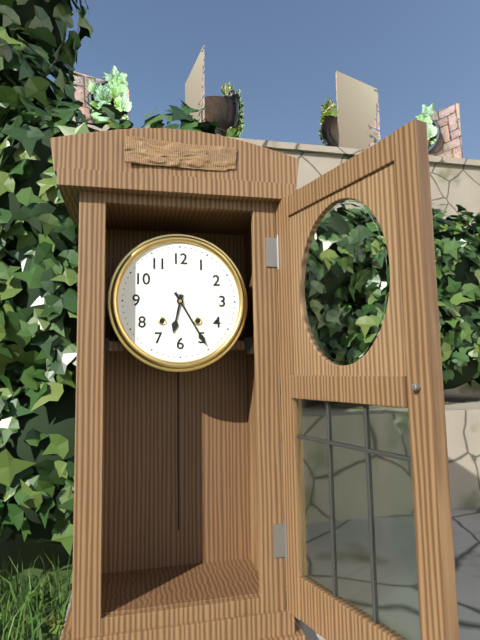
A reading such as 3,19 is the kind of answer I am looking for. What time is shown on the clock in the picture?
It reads 6,25
